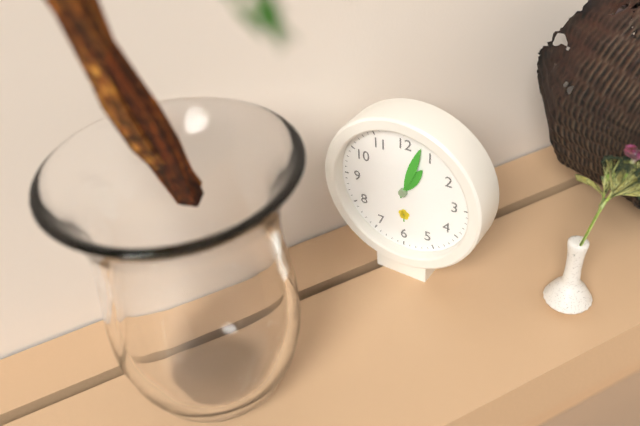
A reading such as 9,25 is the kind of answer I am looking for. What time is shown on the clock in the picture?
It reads 1,03
